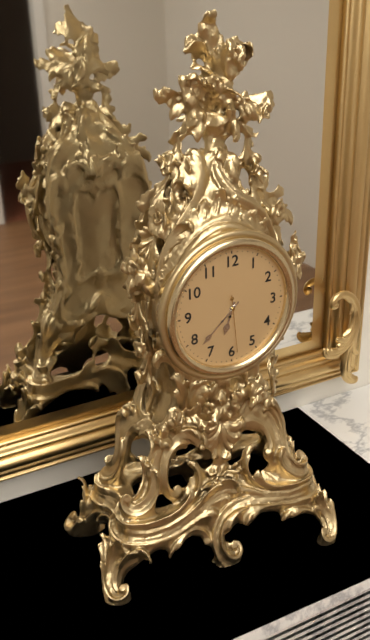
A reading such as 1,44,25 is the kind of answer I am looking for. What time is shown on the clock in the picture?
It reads 6,38,29
